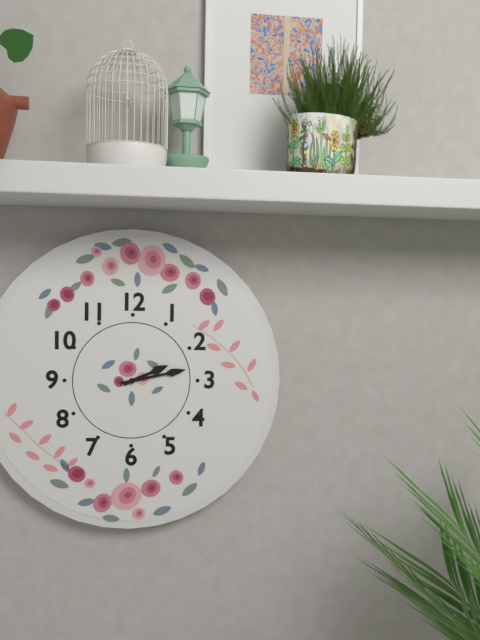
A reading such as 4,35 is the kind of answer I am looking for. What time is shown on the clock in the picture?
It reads 2,13
